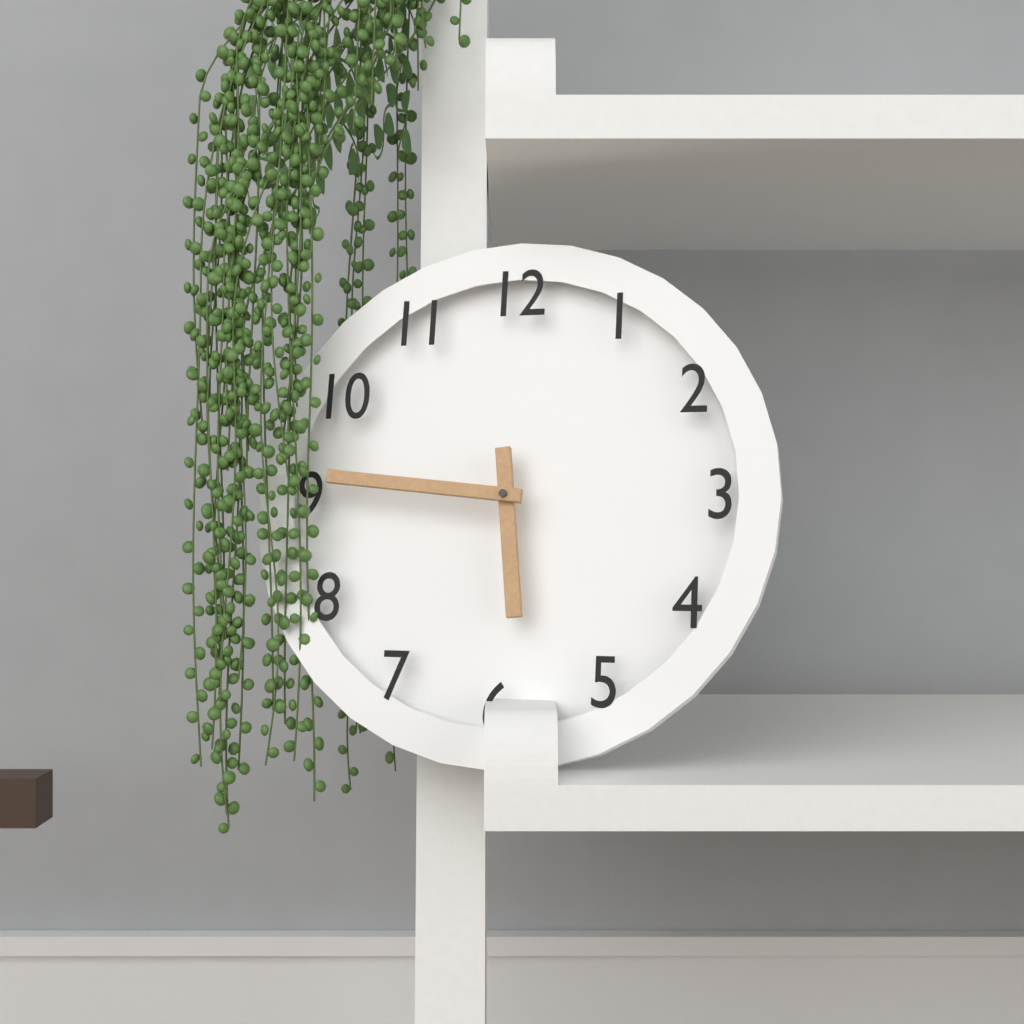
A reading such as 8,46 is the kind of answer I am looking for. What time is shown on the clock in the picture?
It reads 5,46
